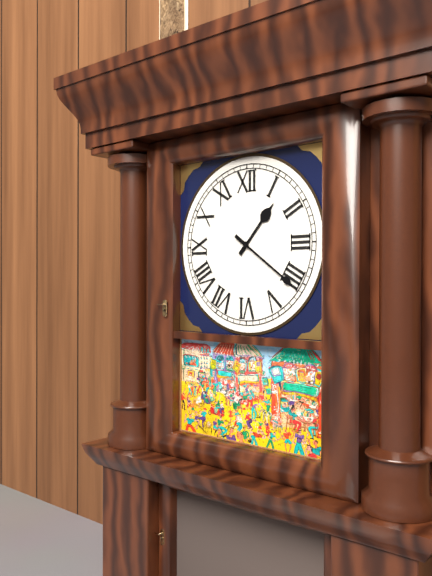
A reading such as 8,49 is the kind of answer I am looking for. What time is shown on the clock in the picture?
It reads 1,21
